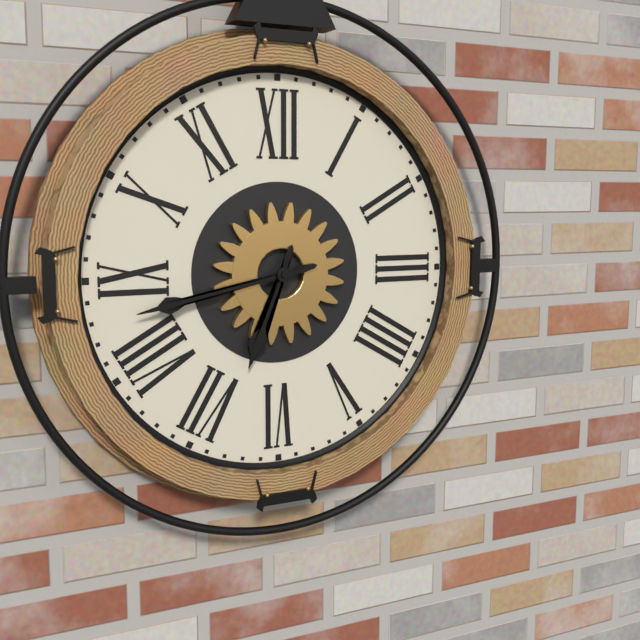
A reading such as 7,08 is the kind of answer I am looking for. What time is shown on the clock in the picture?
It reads 6,43
